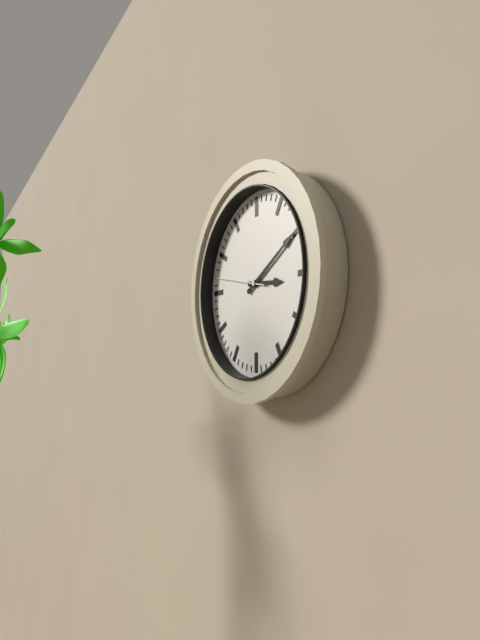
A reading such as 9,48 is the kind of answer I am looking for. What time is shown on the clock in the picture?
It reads 3,10
